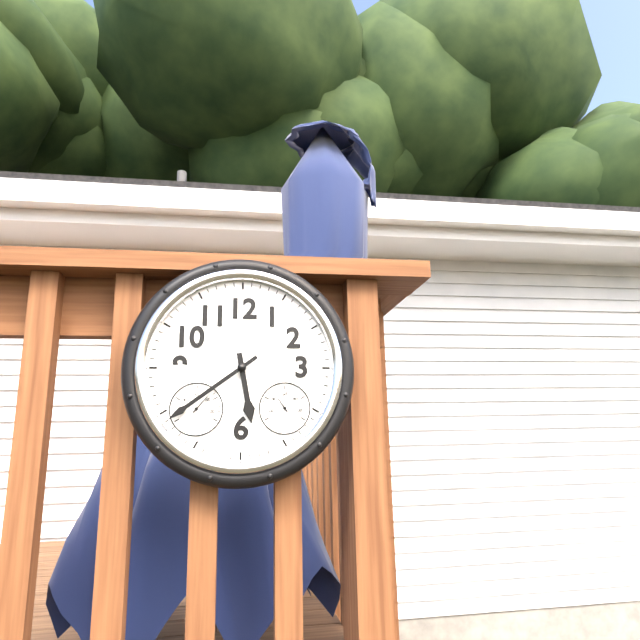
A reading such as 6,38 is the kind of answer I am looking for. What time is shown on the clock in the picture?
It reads 5,39
